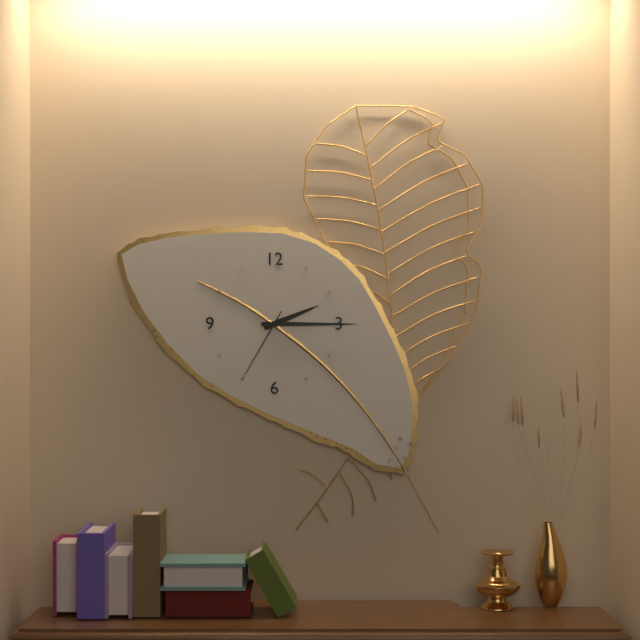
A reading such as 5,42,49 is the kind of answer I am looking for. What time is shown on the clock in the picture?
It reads 2,15,35
